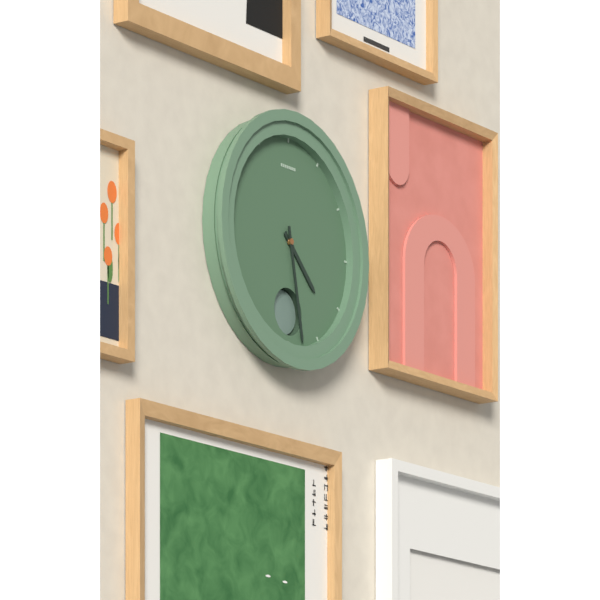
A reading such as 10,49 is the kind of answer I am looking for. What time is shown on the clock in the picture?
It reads 4,28
